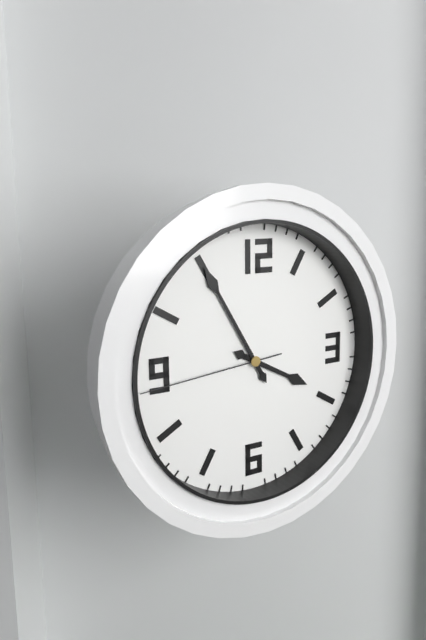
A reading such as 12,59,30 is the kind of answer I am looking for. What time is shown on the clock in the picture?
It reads 3,55,44
